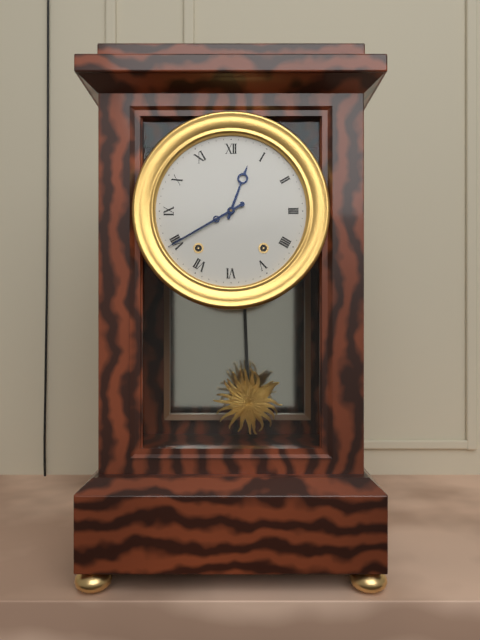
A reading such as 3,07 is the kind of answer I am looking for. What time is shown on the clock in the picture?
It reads 12,40
